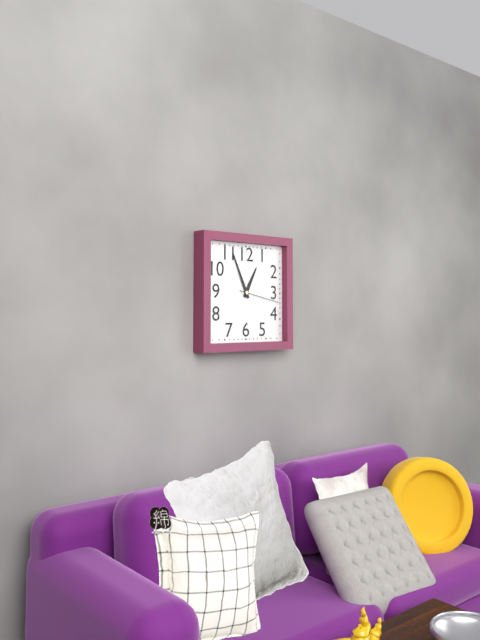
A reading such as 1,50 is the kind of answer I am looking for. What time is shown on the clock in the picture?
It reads 12,56
